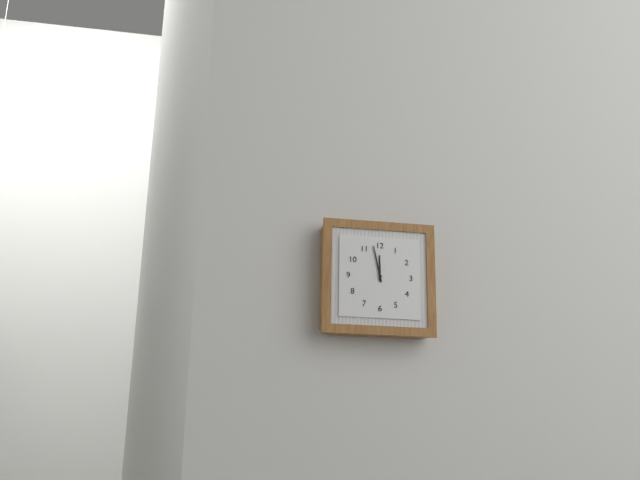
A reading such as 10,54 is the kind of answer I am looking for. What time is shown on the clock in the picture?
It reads 11,58
